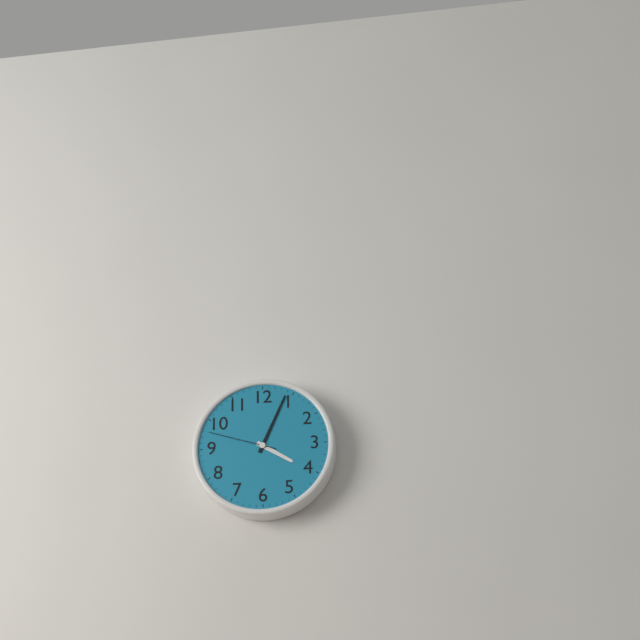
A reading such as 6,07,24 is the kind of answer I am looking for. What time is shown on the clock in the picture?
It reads 4,04,48
